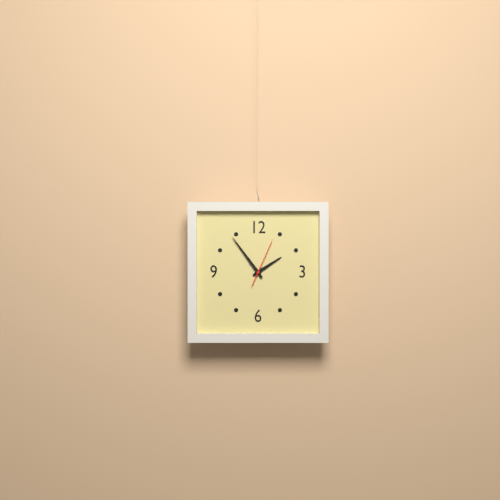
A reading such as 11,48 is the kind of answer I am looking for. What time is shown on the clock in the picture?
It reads 1,54
